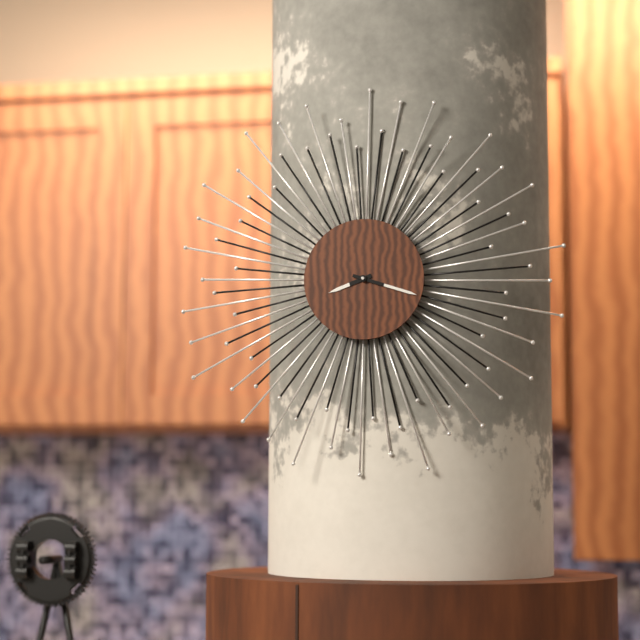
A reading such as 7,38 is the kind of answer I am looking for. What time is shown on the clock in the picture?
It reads 8,18
